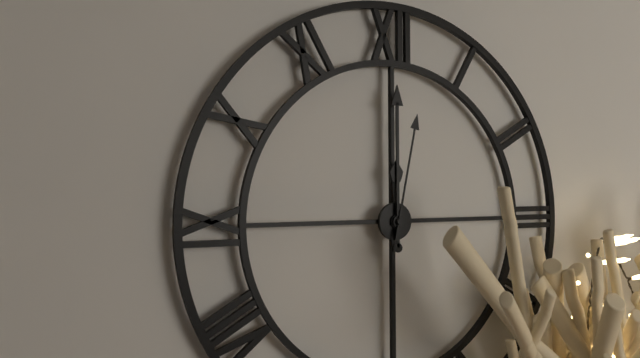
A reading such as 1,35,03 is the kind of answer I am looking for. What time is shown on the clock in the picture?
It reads 12,00,02
